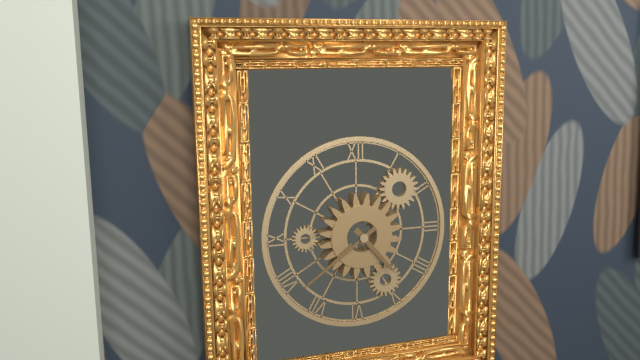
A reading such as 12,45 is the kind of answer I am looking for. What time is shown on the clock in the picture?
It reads 4,39
